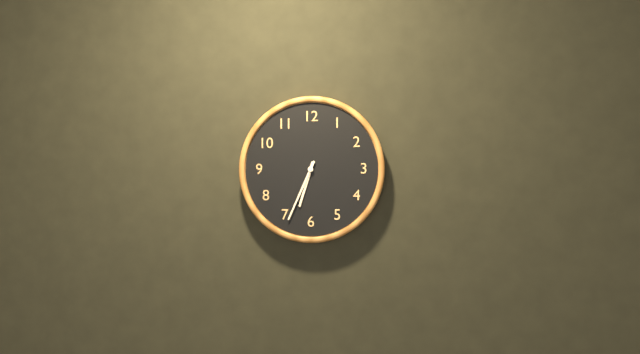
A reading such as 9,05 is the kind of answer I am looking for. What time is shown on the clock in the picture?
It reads 6,34
